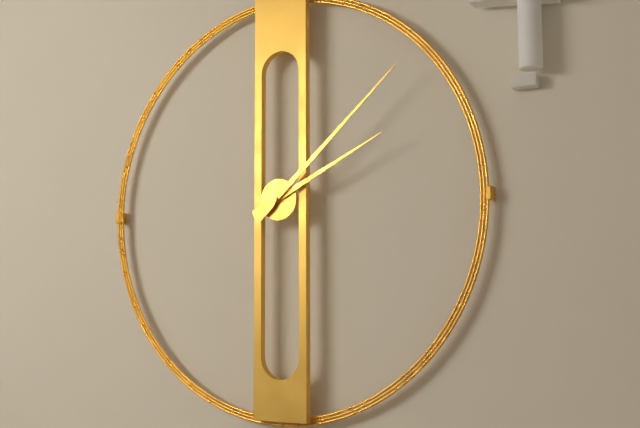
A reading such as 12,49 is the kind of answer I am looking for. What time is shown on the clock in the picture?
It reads 2,08
